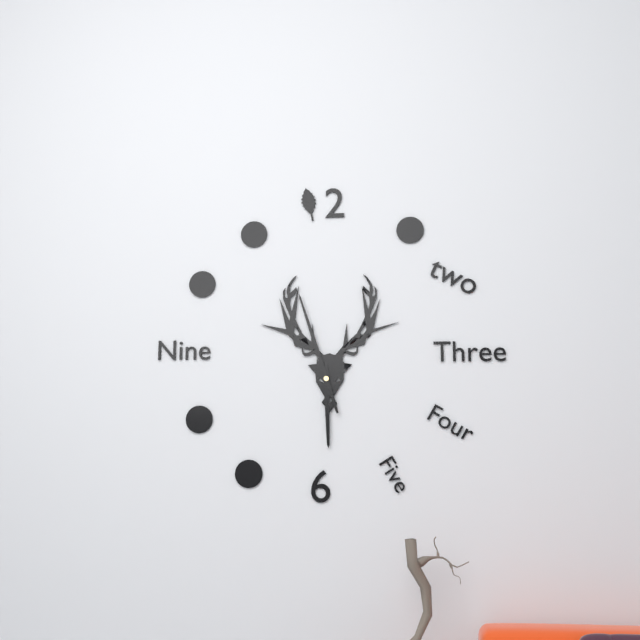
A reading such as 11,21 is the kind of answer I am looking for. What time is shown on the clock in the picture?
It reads 5,57
